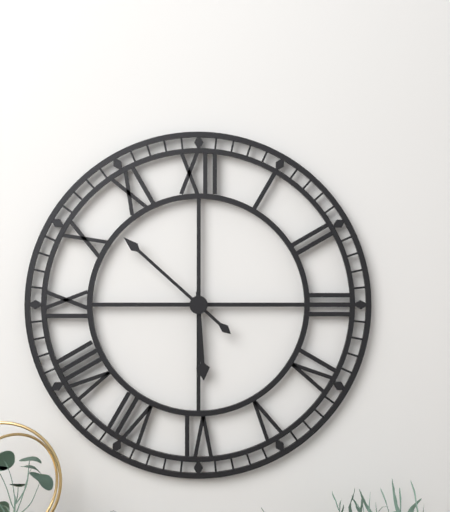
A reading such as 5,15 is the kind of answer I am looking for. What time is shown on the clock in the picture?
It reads 5,52
